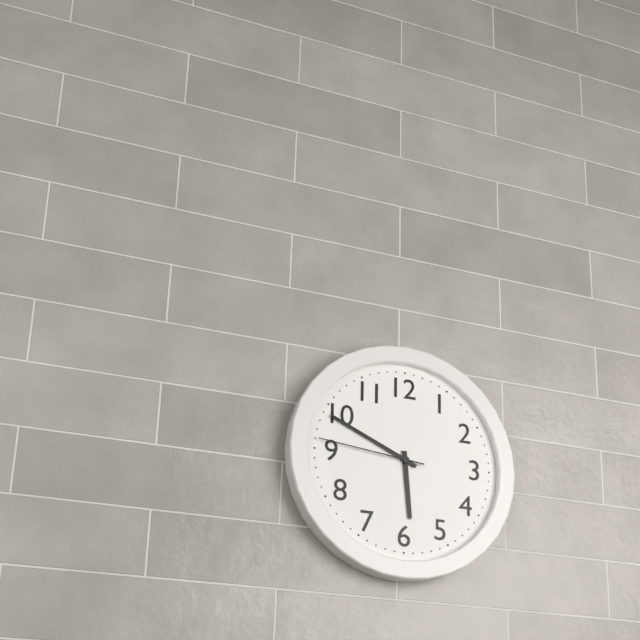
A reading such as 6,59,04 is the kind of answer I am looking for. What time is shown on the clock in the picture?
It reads 5,49,46
